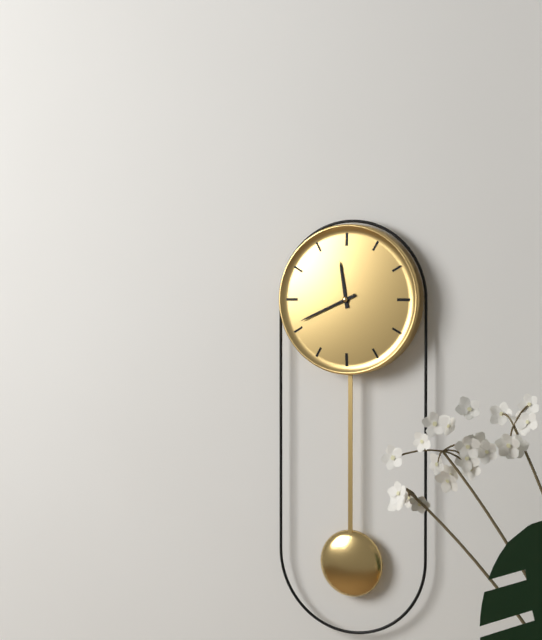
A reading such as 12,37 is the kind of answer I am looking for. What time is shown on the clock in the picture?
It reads 11,41
